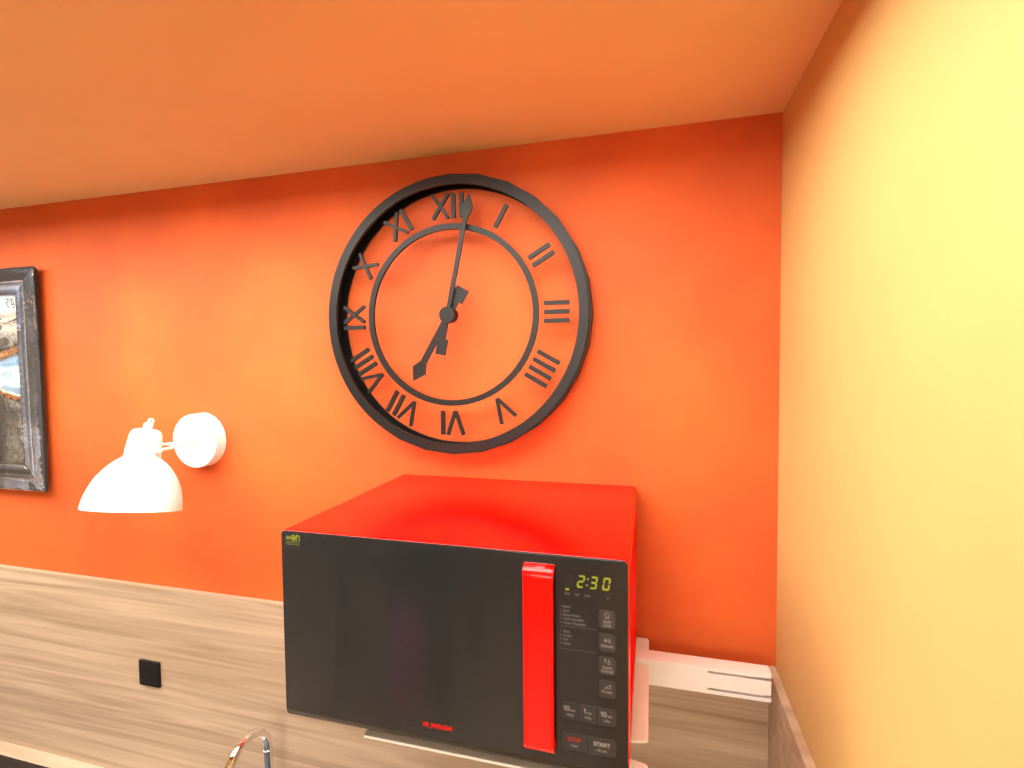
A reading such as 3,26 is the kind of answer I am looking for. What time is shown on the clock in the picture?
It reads 7,02
